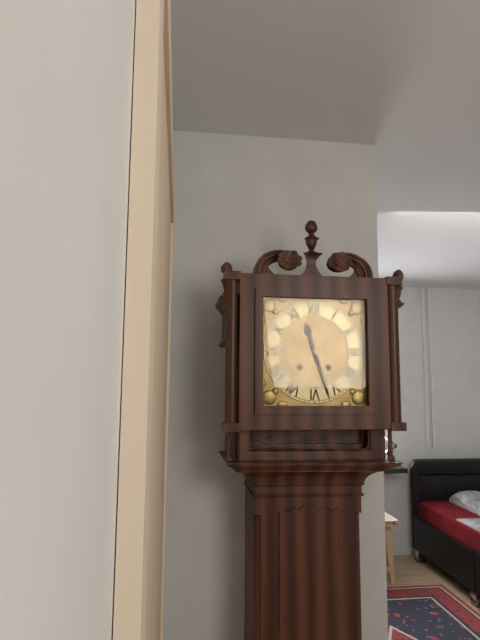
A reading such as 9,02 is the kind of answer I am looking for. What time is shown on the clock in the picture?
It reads 11,27
